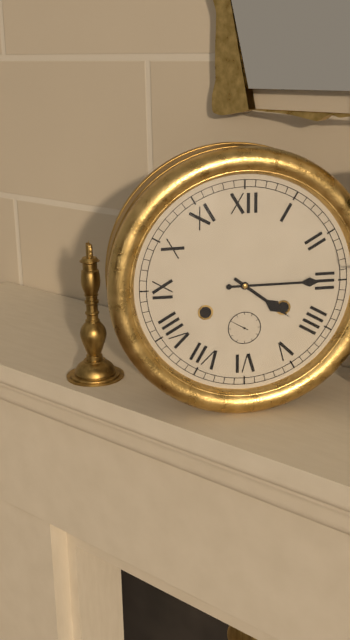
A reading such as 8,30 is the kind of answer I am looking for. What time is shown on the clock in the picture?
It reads 4,15
